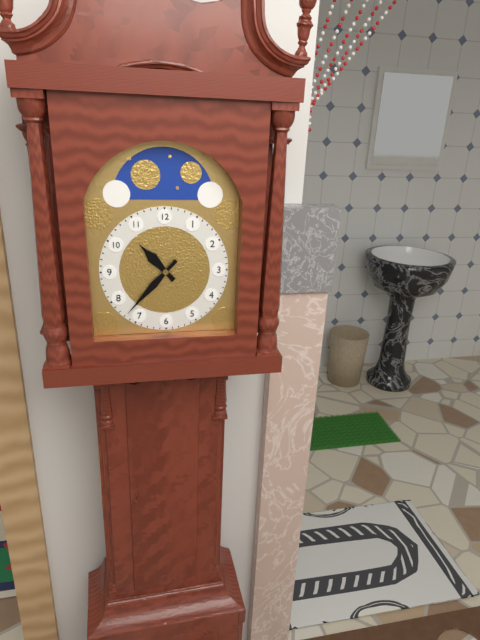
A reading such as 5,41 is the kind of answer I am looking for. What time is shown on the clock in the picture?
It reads 10,37
